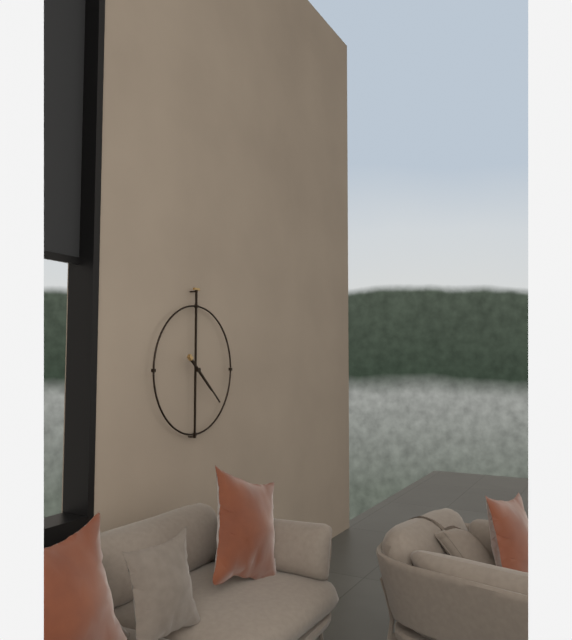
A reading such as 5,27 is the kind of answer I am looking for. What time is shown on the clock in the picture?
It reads 4,22
